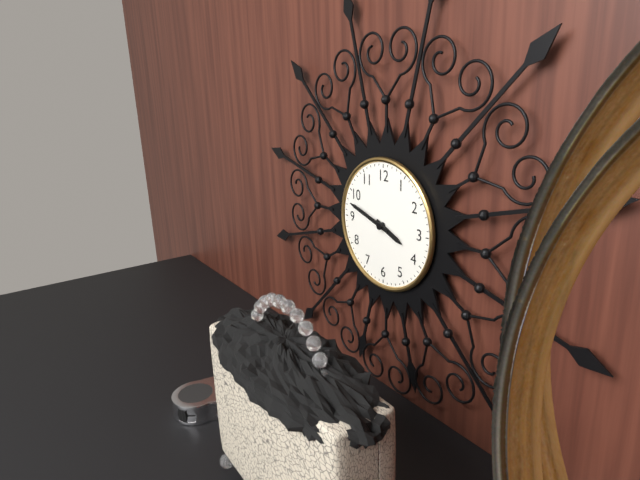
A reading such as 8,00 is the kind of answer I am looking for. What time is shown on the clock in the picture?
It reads 3,48
